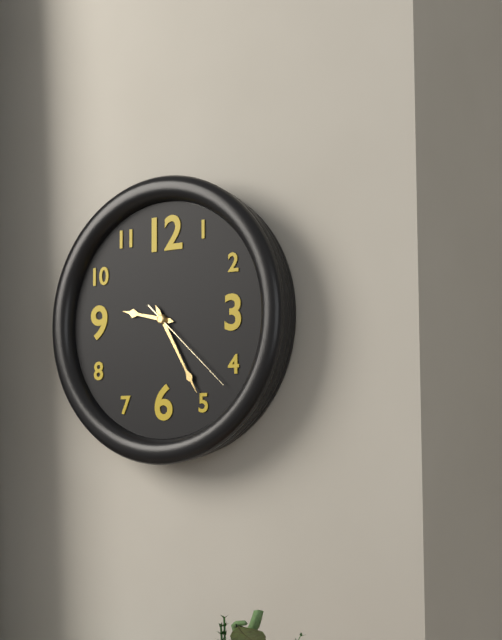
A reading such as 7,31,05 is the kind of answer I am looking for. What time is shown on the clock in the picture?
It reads 9,25,22
